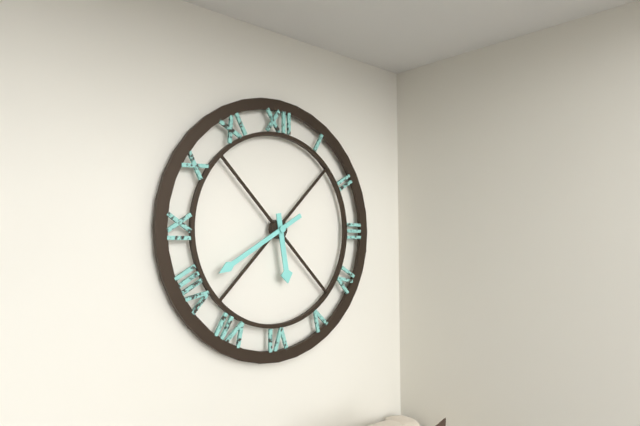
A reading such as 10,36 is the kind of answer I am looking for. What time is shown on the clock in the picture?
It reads 5,40
